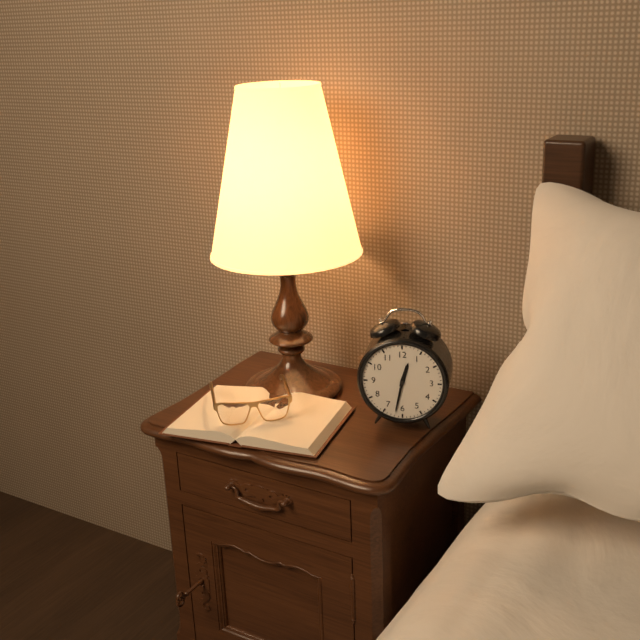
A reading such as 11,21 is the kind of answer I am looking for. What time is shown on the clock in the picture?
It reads 12,32
